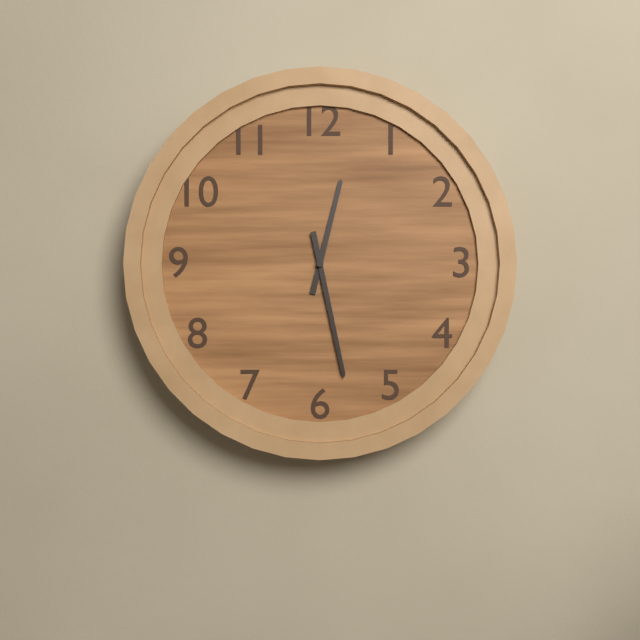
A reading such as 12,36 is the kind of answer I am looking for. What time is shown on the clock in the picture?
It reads 12,28
